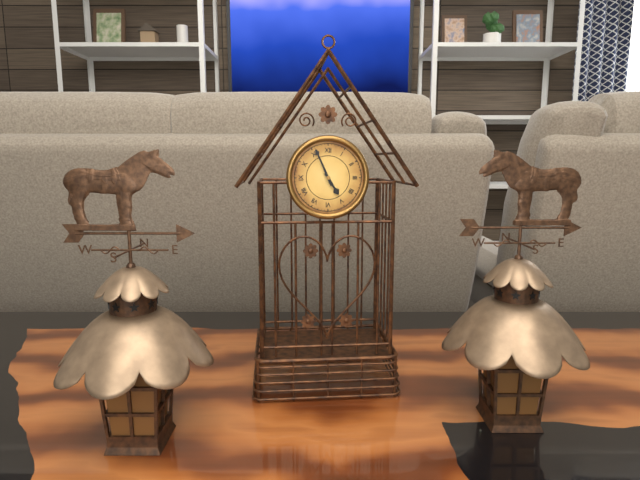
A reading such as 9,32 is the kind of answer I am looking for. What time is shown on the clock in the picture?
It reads 4,56
